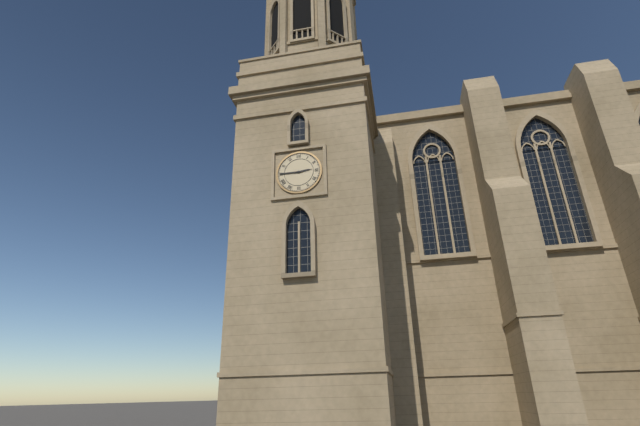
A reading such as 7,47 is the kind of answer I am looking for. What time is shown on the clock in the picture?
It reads 2,45
